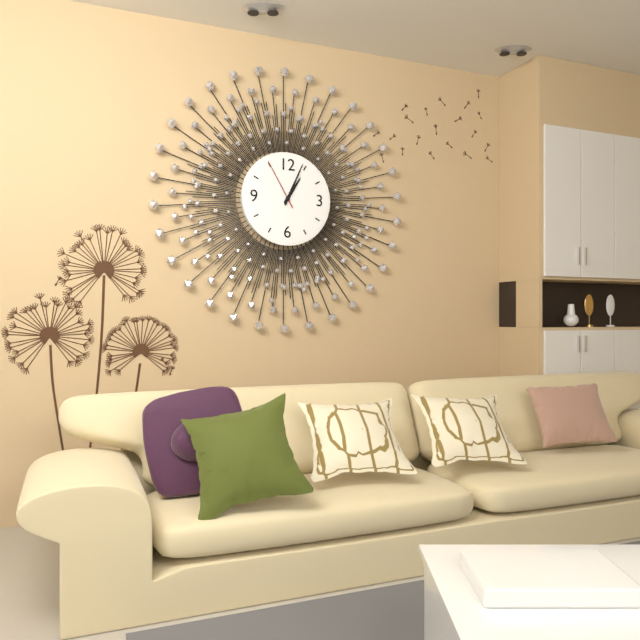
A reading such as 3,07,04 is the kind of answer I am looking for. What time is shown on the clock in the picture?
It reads 1,04,55
